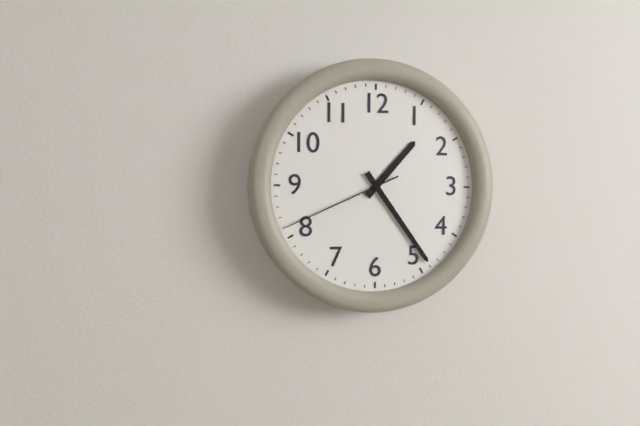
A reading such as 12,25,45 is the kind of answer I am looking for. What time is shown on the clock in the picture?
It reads 1,24,41
